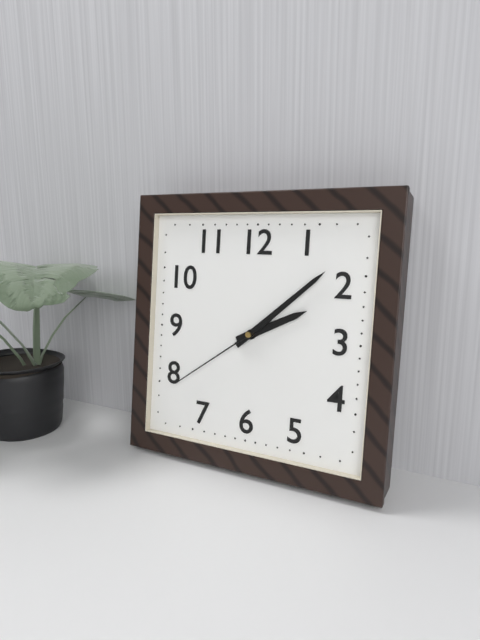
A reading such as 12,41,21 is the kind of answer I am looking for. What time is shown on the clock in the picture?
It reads 2,08,39
